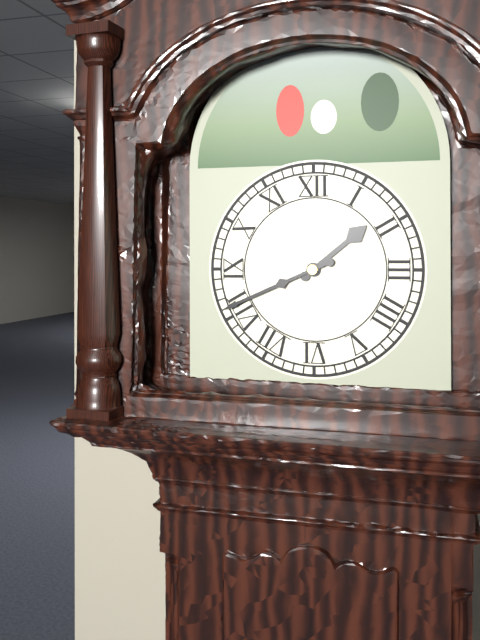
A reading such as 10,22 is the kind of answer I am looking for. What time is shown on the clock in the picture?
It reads 1,41
